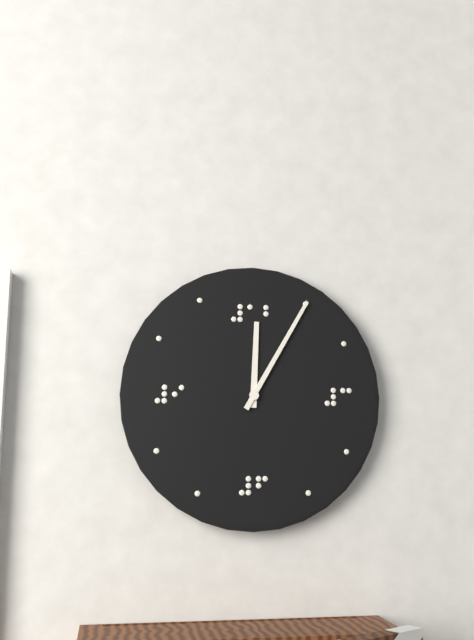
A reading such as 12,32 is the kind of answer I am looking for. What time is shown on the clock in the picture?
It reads 12,05
